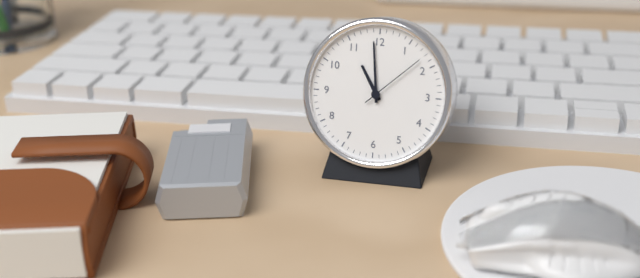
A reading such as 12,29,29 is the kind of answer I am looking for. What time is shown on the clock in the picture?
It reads 10,59,08
